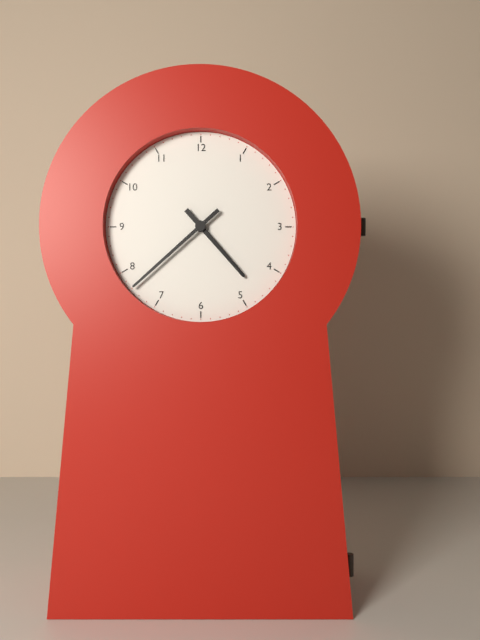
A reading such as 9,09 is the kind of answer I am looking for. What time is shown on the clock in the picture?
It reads 4,38
